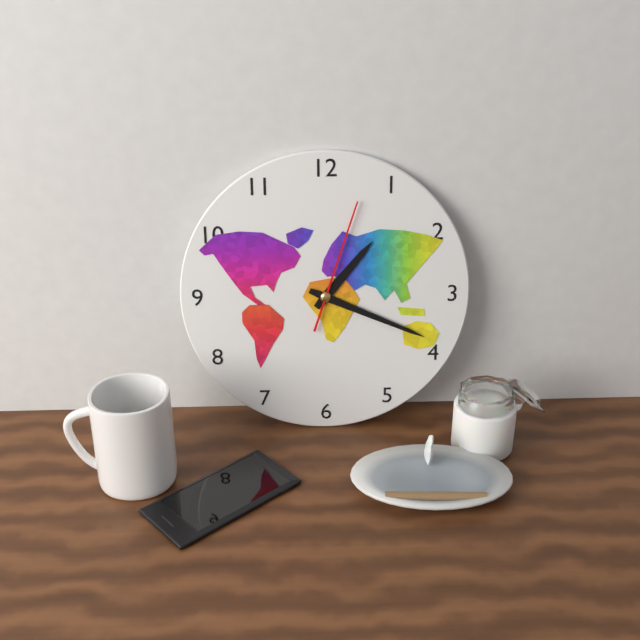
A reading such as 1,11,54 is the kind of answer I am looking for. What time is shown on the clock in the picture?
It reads 1,19,03
